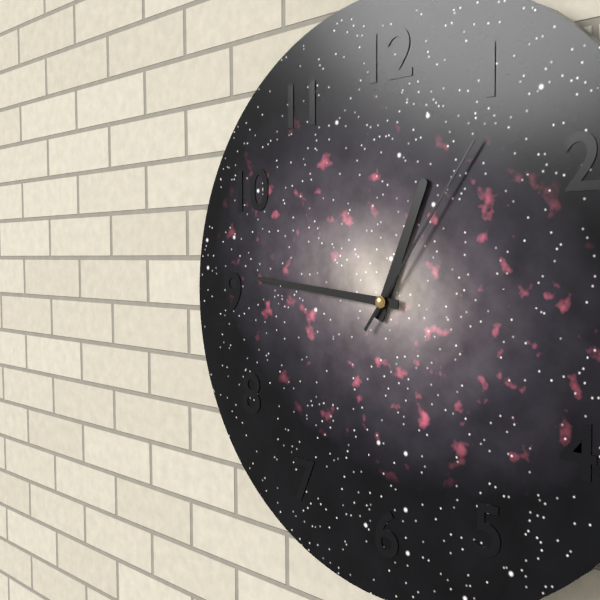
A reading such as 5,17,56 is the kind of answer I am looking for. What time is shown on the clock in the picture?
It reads 12,46,06
